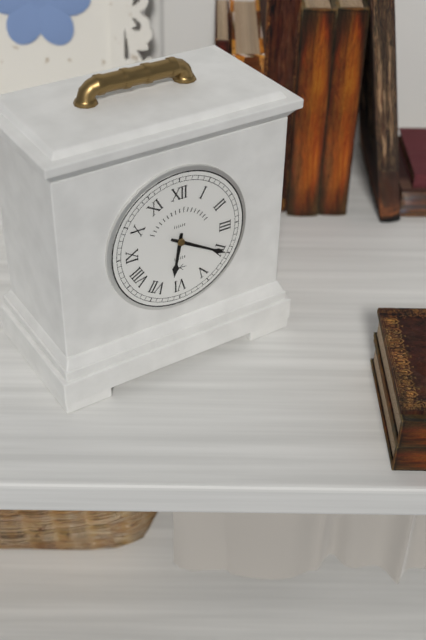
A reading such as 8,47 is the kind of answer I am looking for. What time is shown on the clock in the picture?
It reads 6,20
